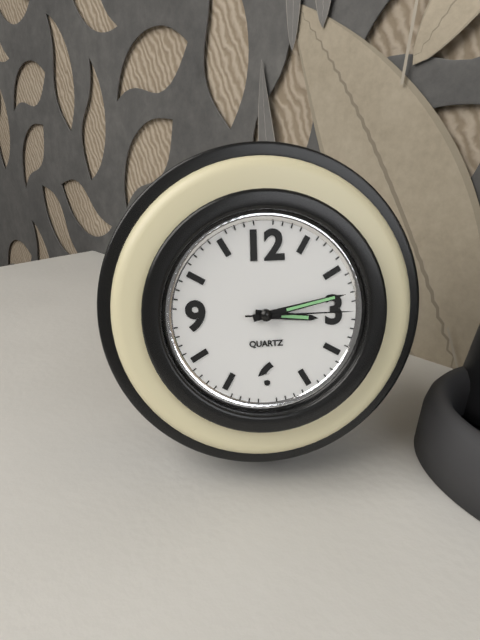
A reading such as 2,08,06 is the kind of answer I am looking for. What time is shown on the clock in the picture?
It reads 3,13,15
